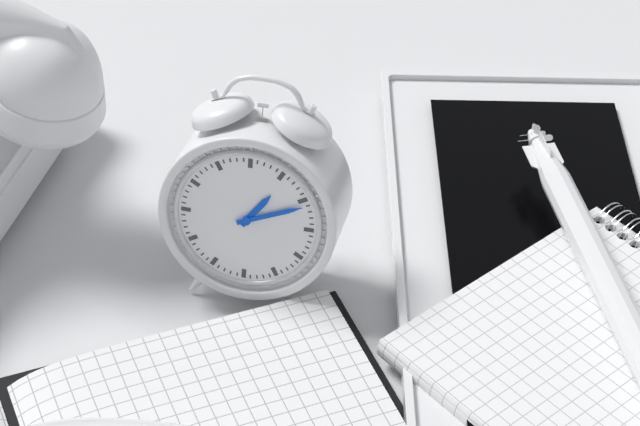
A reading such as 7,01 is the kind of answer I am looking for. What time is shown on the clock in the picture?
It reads 1,11
